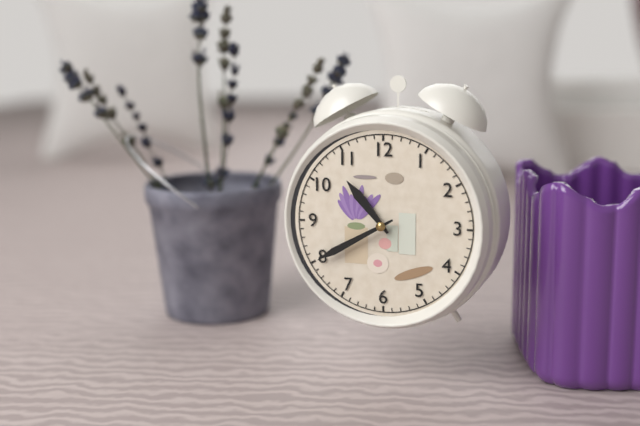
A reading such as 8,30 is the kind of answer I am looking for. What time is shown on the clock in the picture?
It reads 10,40
